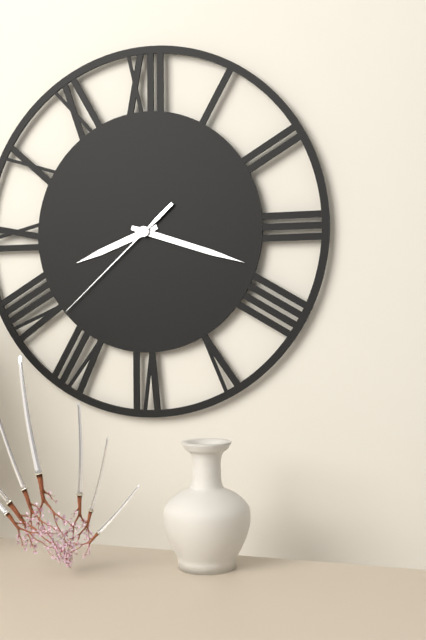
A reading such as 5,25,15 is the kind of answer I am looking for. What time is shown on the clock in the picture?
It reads 8,18,38
